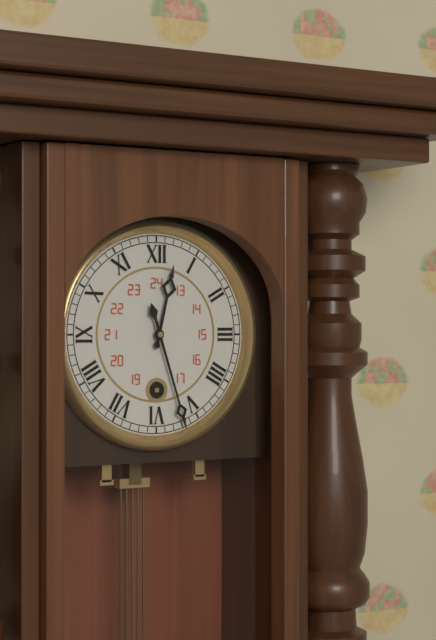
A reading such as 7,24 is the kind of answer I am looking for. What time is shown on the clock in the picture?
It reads 12,27
